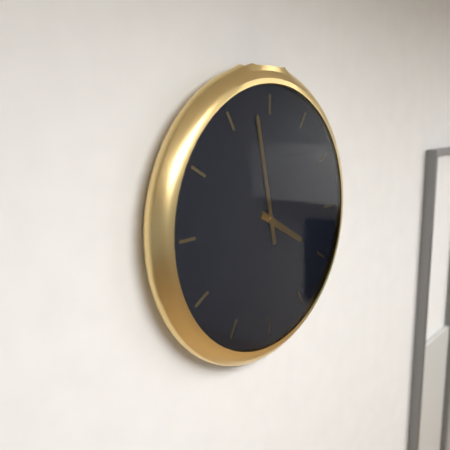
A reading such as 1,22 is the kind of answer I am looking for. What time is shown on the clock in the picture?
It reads 3,58
